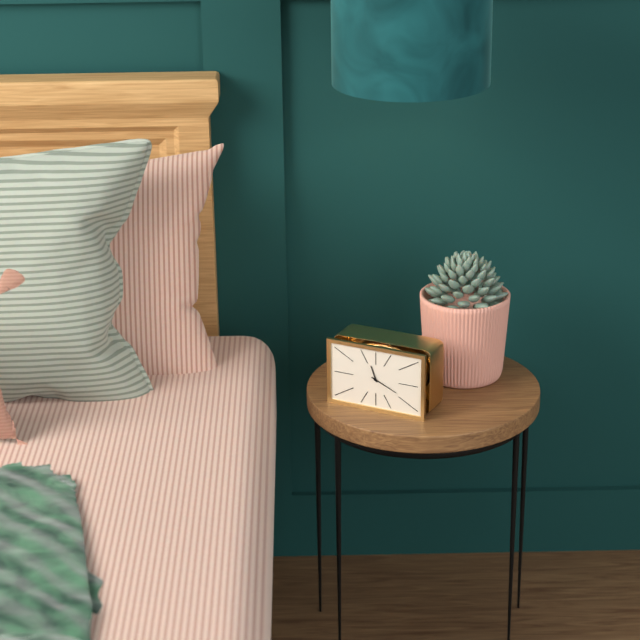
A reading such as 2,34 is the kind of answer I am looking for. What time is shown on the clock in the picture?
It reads 11,19
